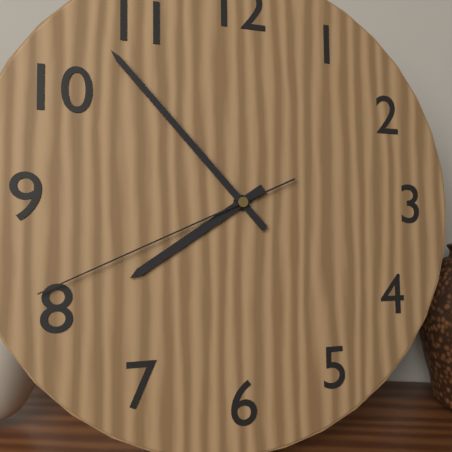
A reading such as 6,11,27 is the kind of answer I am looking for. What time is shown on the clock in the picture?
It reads 7,53,41
